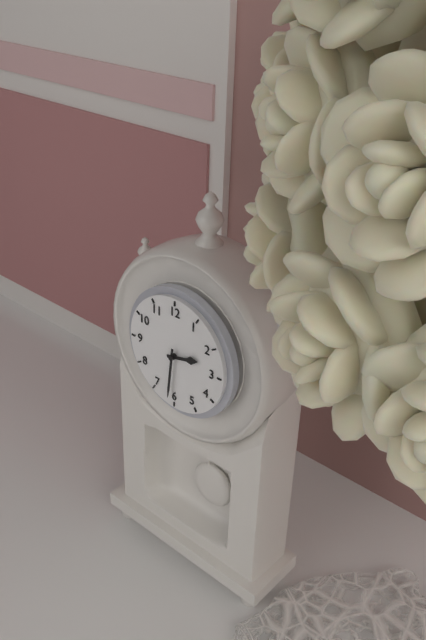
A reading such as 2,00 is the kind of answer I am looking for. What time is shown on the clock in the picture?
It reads 2,31
